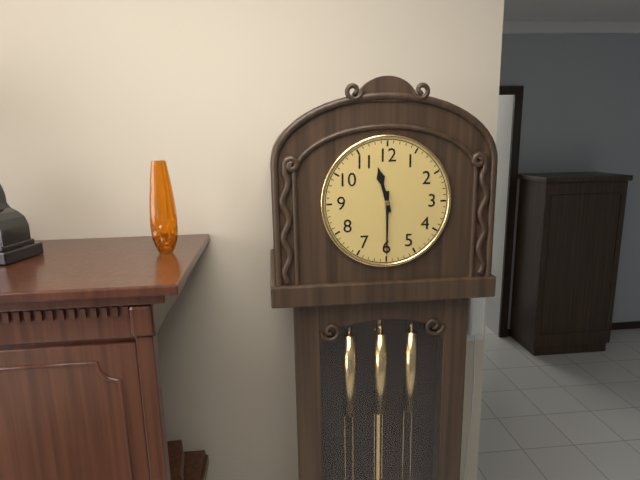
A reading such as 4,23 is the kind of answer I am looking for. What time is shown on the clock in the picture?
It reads 11,30
